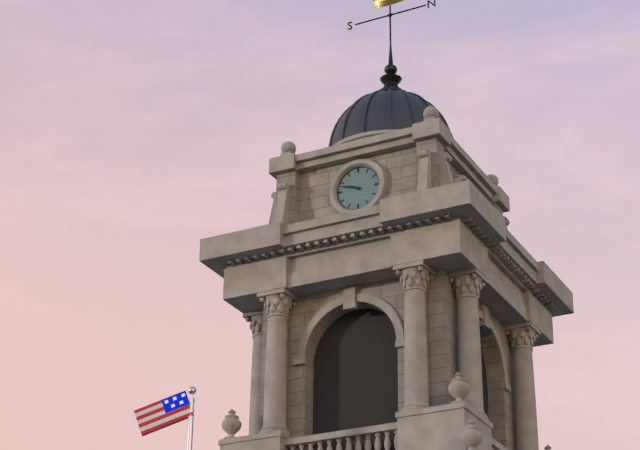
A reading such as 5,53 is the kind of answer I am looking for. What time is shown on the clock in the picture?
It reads 9,48
